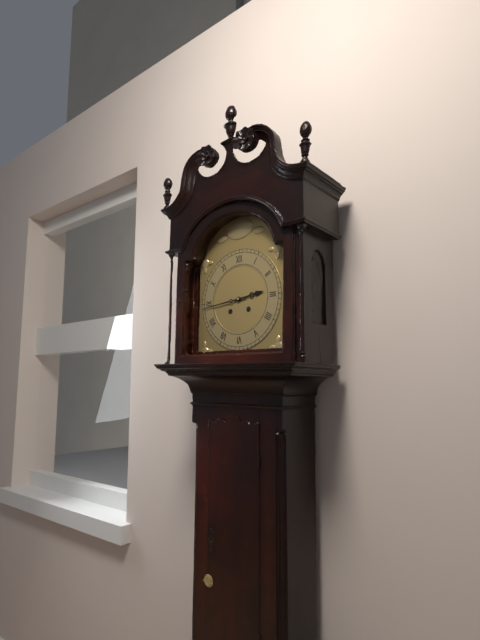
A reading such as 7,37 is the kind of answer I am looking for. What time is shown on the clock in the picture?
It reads 2,44
